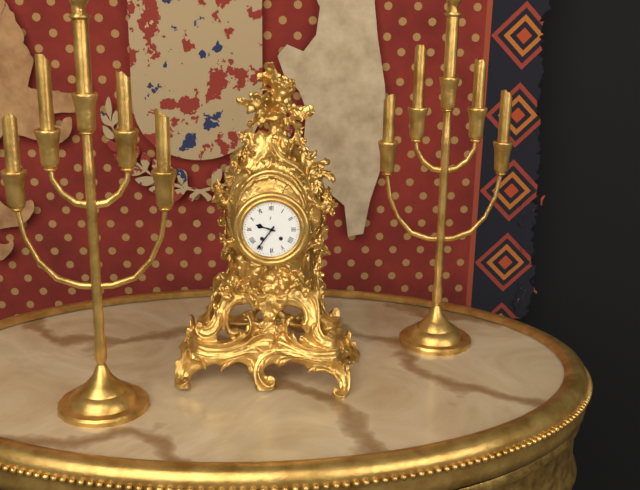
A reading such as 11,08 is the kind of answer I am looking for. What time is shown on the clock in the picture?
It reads 9,36
